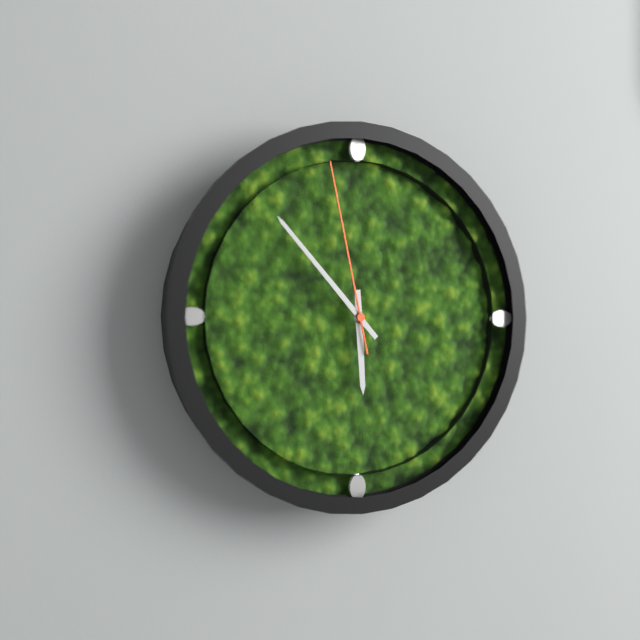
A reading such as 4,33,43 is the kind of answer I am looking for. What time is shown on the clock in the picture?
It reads 5,53,58
